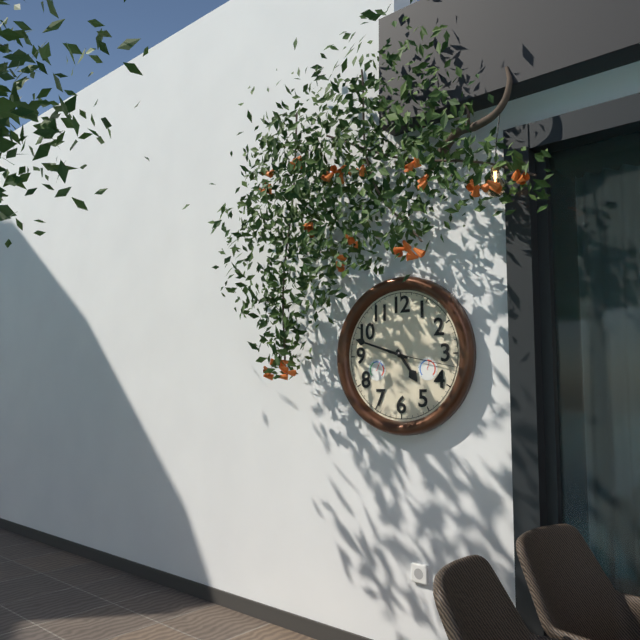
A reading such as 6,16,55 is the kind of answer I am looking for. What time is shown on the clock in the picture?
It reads 4,48,17
